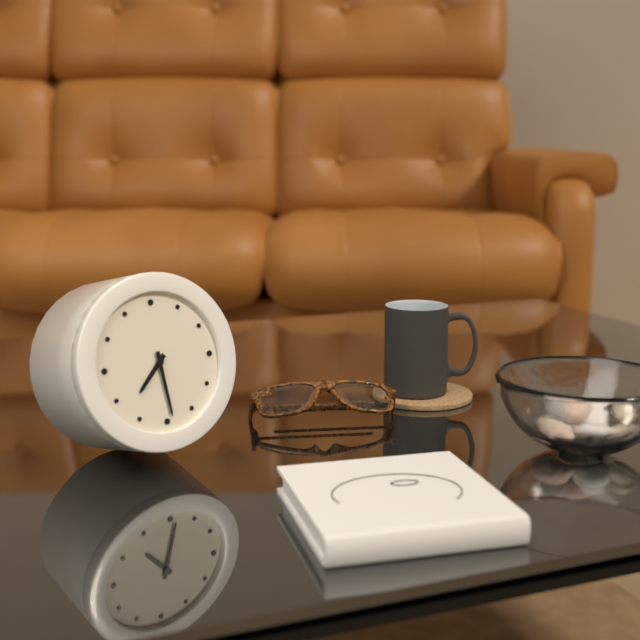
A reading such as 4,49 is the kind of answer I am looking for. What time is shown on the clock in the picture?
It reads 7,29
